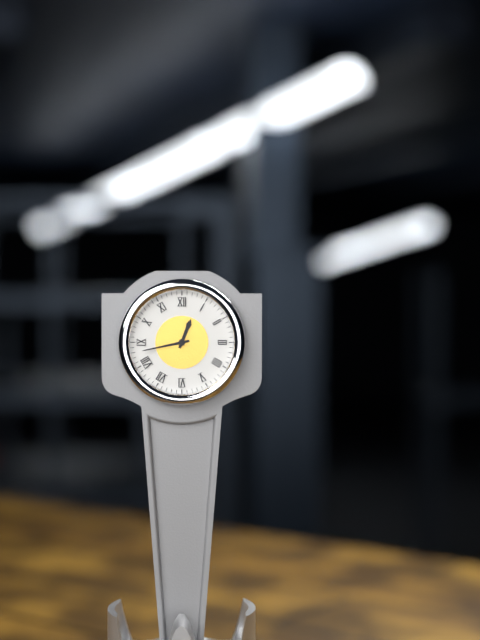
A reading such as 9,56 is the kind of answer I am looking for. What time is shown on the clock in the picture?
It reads 12,43
